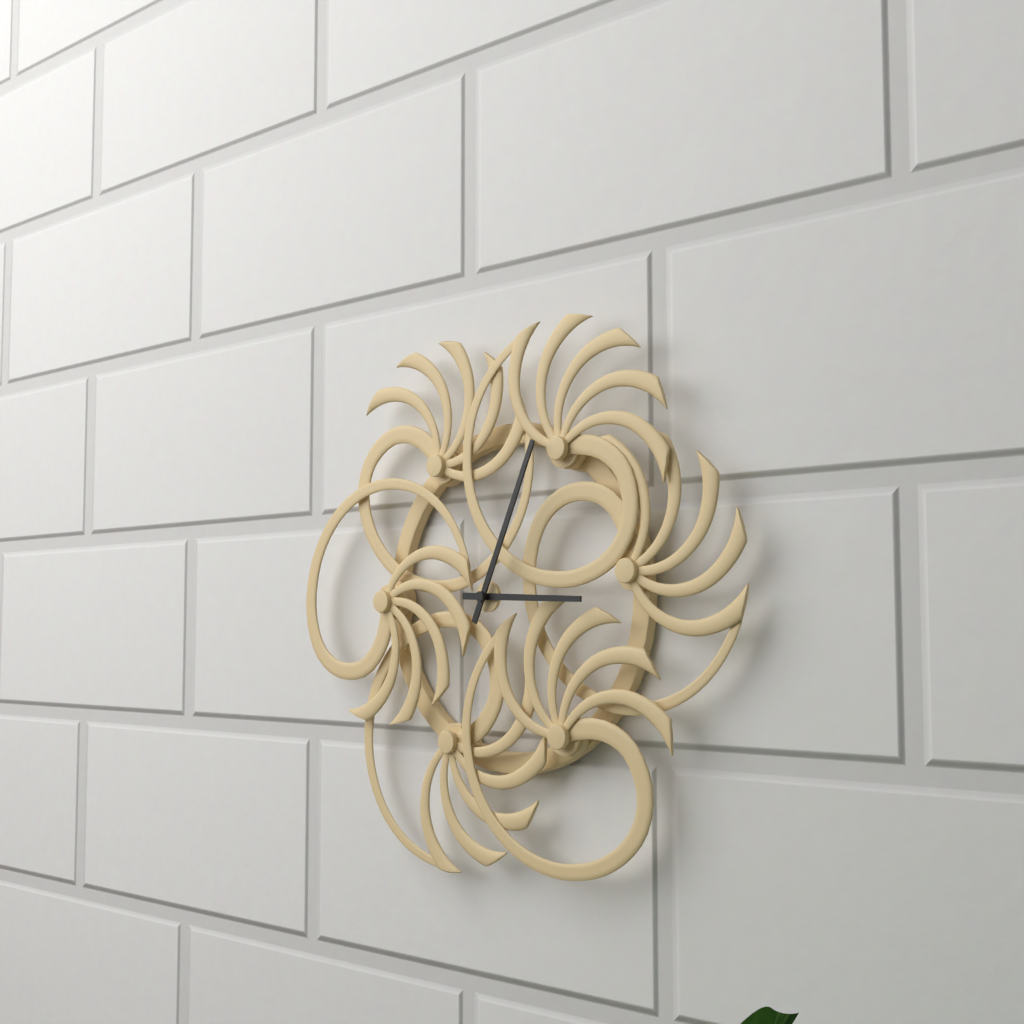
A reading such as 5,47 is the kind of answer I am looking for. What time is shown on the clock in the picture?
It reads 3,04
